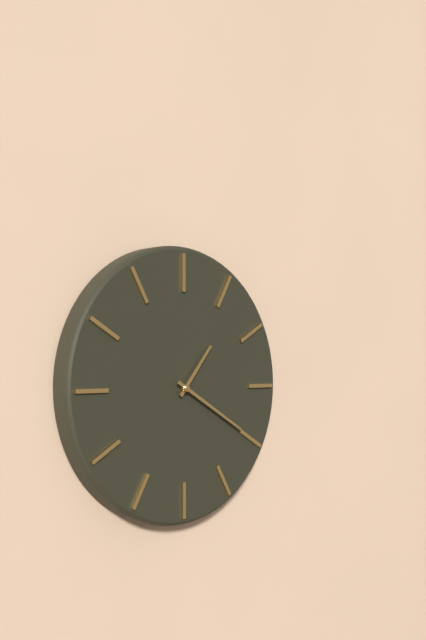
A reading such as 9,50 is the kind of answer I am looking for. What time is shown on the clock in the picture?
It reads 1,20
